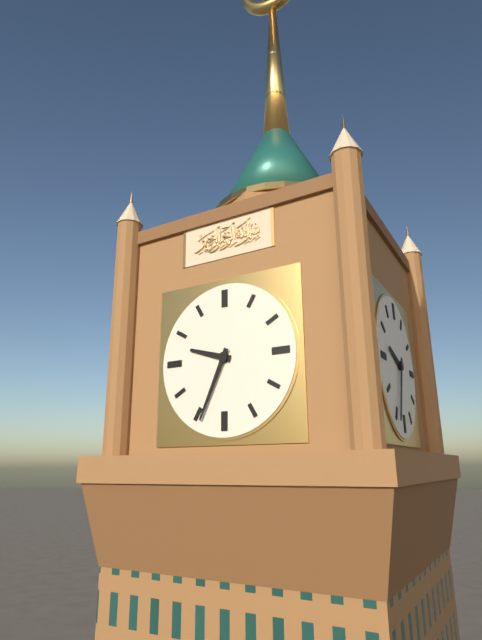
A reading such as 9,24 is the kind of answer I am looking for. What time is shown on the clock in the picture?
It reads 9,34
